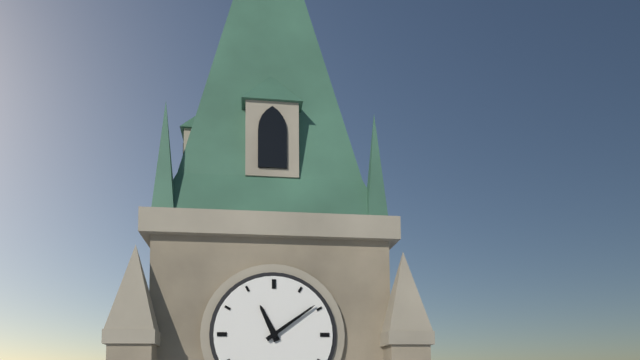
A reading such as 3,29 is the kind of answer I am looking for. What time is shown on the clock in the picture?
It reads 11,09
